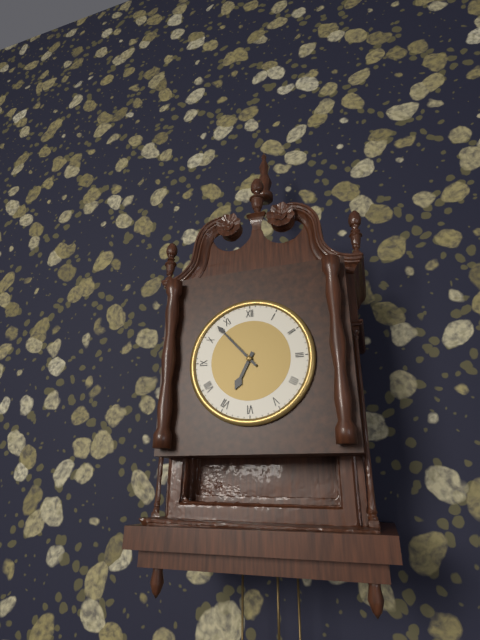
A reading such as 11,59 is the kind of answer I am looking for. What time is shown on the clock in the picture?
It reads 6,53
